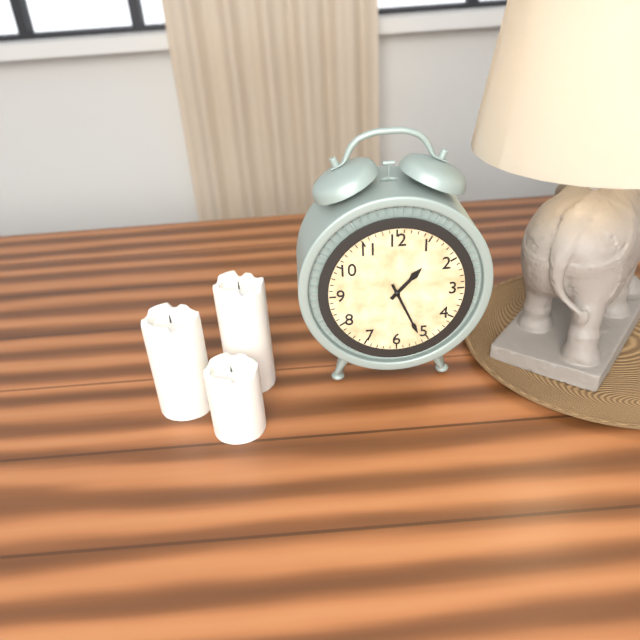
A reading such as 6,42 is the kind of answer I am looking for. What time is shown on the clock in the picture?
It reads 1,26
